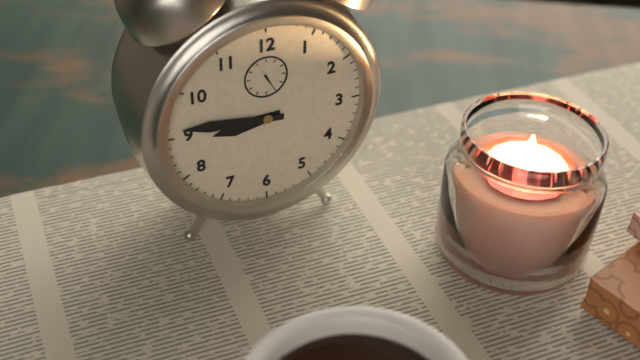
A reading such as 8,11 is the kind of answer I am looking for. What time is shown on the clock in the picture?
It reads 8,46
